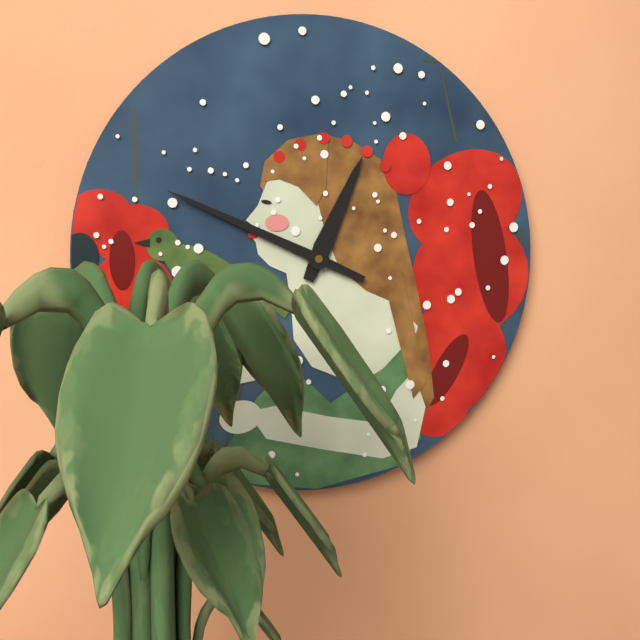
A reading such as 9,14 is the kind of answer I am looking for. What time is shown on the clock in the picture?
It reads 12,49
